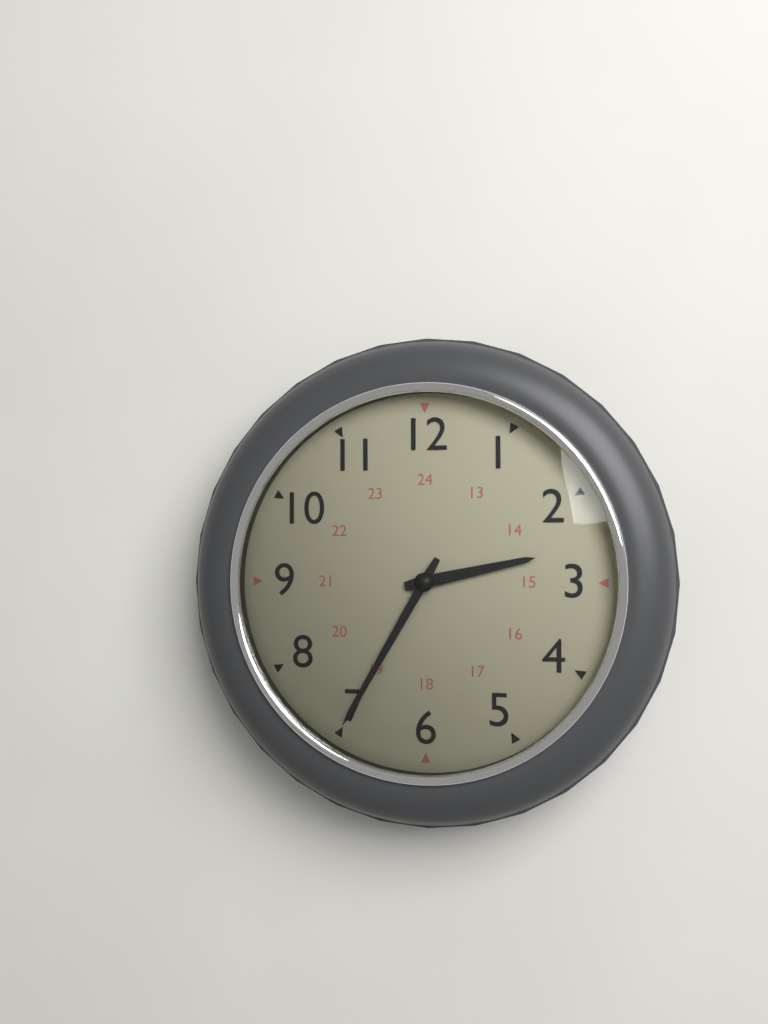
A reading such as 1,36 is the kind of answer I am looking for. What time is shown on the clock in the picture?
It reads 2,35
